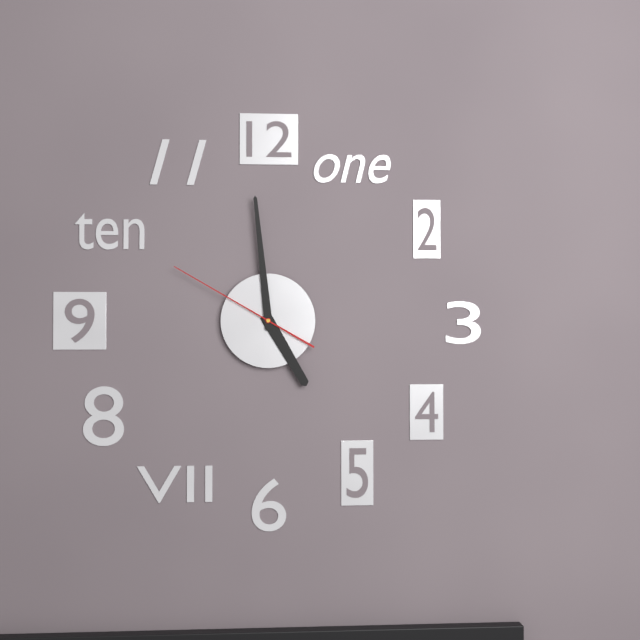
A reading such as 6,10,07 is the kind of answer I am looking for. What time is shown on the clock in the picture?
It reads 4,59,50
